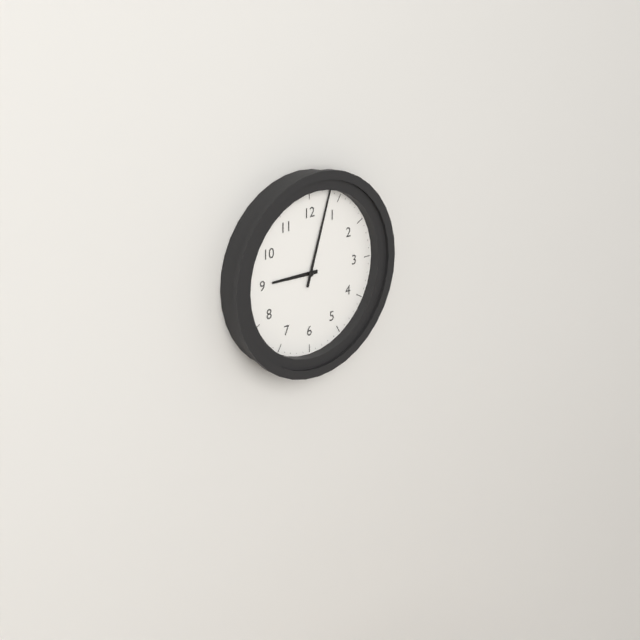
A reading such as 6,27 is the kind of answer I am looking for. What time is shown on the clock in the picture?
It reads 9,03
